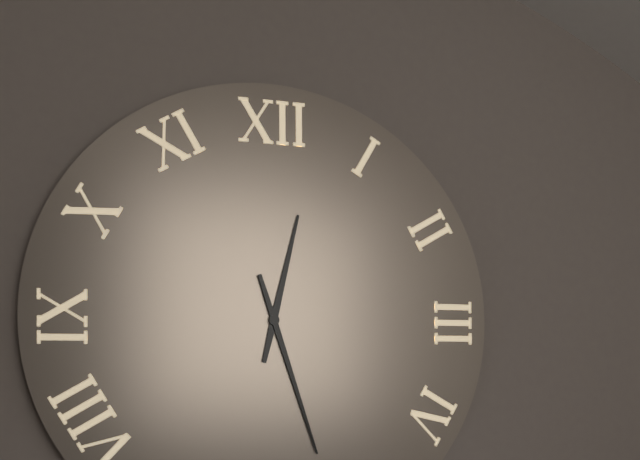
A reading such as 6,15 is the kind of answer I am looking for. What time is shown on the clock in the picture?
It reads 12,27
